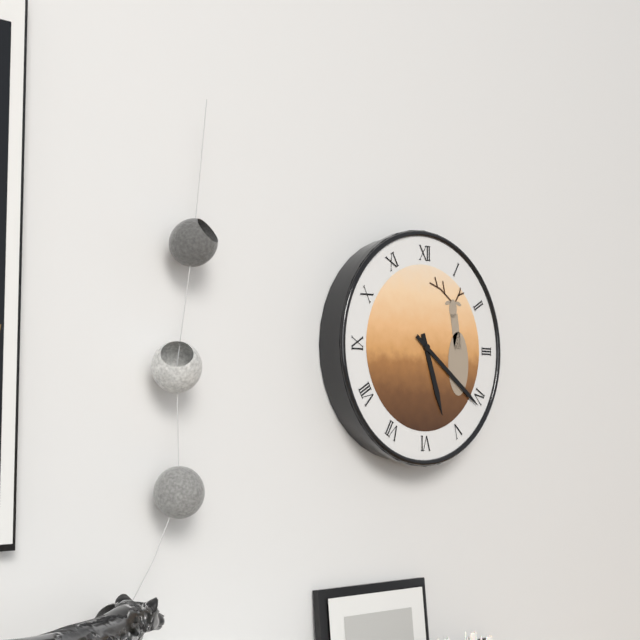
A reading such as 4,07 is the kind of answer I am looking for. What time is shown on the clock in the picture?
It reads 5,21
